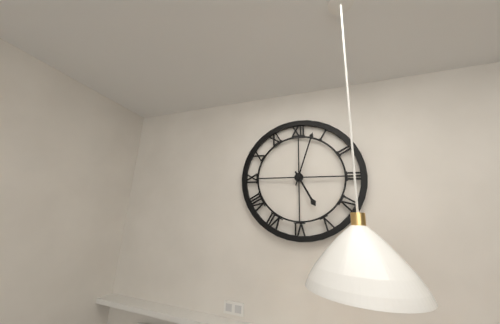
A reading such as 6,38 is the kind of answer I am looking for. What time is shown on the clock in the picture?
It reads 5,03
